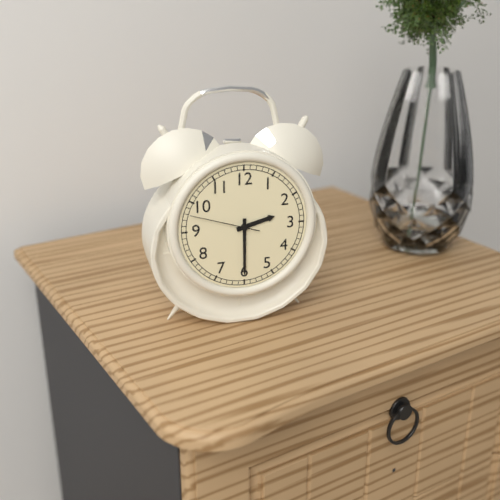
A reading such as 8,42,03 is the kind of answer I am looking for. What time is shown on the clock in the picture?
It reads 2,30,48
